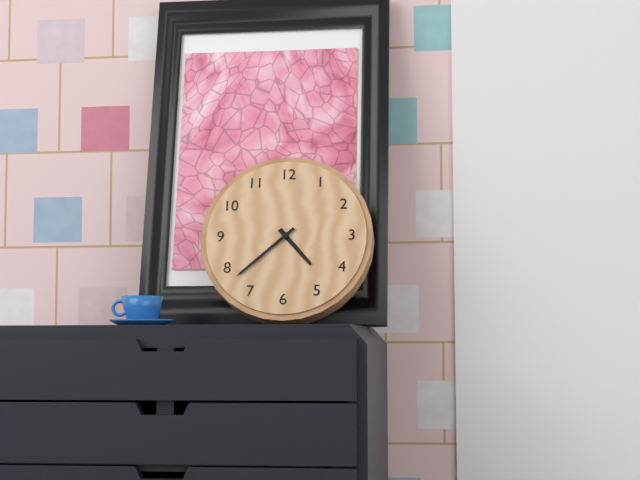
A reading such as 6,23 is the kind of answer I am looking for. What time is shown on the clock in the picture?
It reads 4,38
